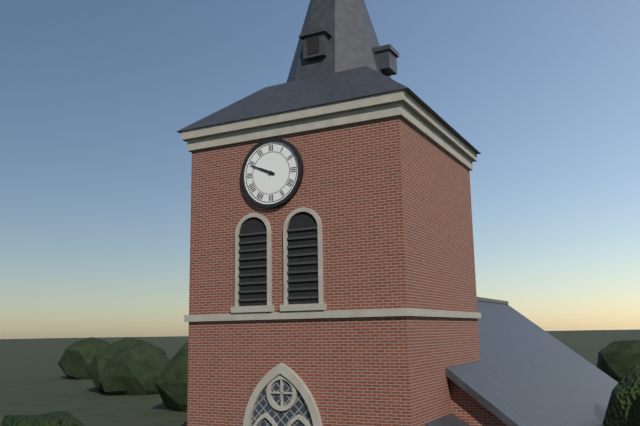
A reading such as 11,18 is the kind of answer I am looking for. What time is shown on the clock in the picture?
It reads 9,49
